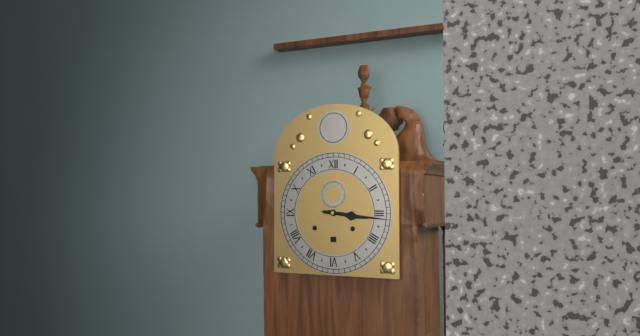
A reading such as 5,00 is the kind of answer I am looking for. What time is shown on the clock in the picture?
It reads 3,16
